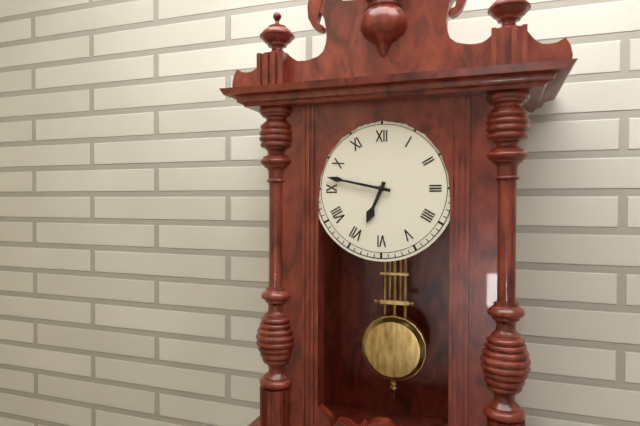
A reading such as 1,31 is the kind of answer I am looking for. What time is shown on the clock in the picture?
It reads 6,47
